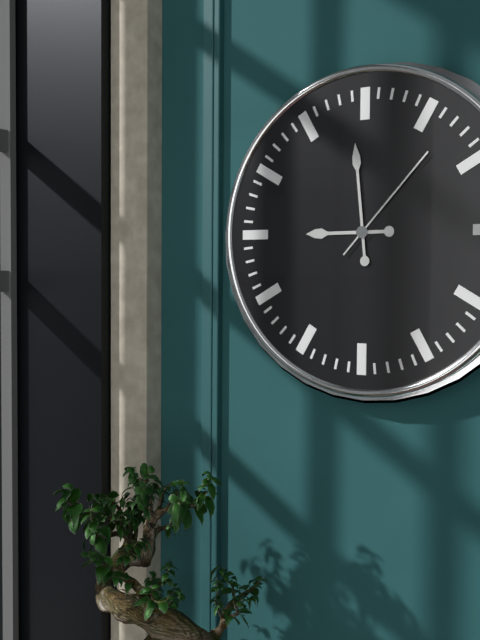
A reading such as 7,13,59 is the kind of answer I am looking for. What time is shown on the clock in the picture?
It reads 8,59,07
